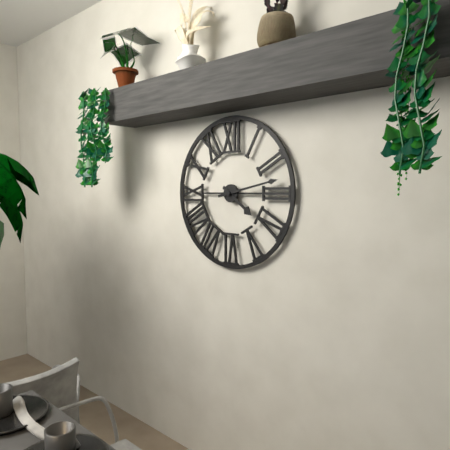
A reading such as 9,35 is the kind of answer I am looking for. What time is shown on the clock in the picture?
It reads 4,13
